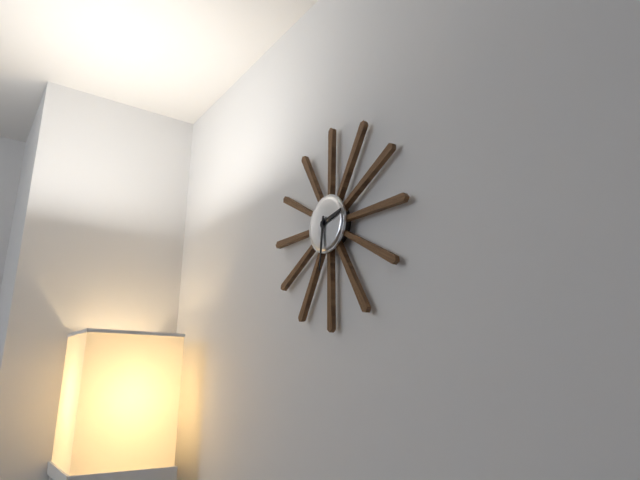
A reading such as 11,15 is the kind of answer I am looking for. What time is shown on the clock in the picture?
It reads 2,31
